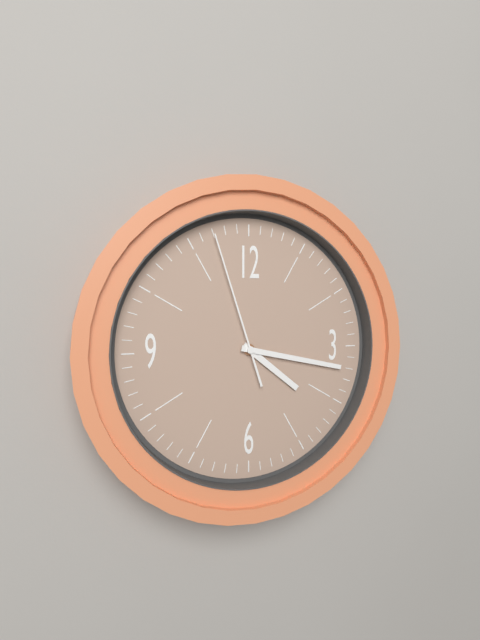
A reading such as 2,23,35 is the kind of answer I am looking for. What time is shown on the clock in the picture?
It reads 4,17,57
